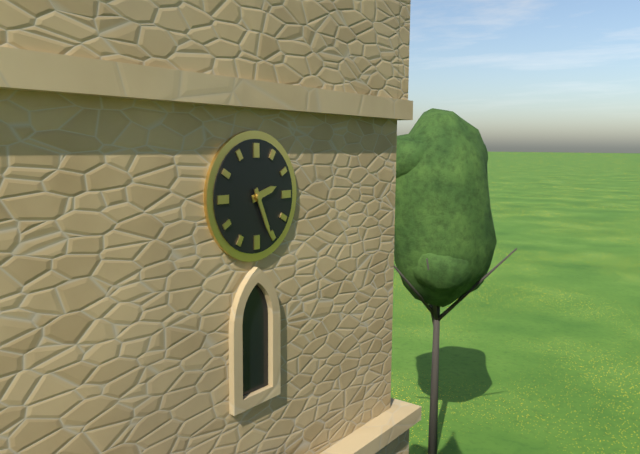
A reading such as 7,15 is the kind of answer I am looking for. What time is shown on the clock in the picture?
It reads 2,26
